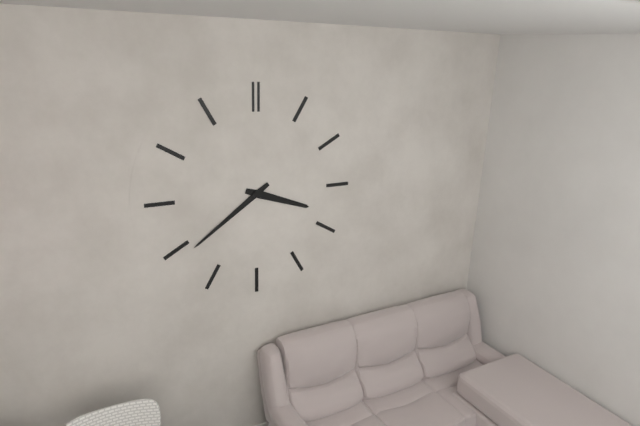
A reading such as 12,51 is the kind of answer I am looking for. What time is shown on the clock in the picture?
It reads 3,39
